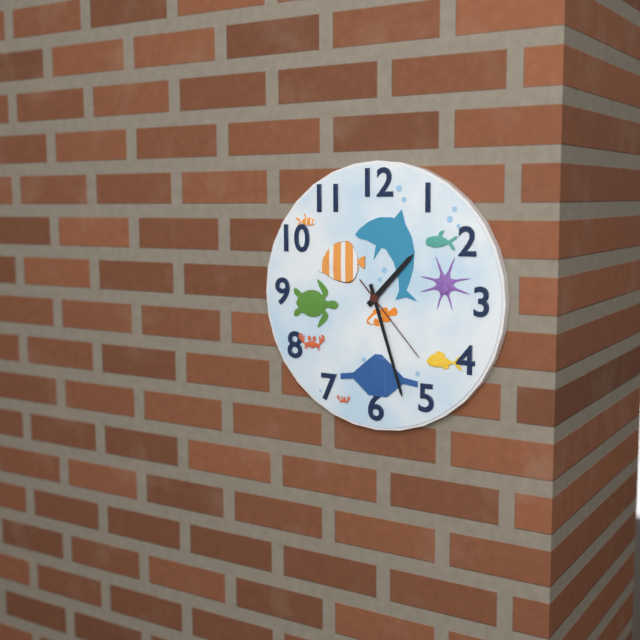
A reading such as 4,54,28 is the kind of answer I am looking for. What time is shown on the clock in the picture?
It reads 1,27,23
